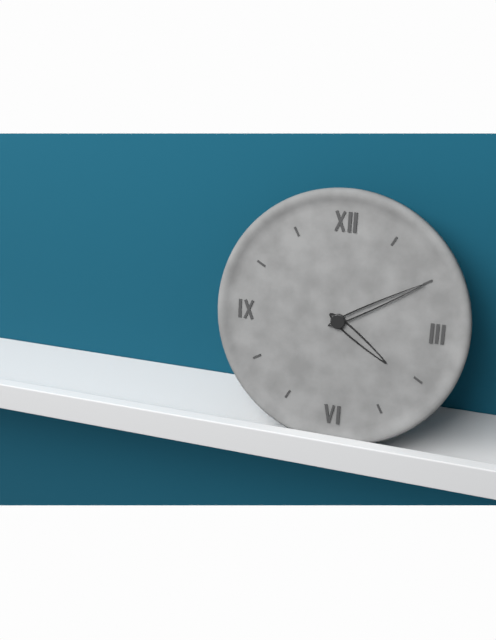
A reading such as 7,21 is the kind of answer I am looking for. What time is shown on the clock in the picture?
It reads 4,10
